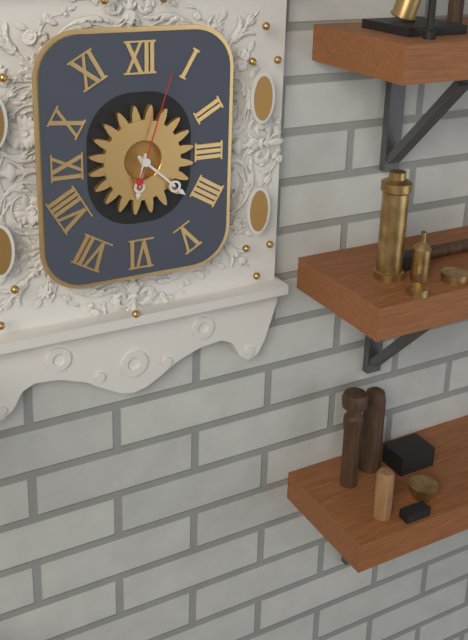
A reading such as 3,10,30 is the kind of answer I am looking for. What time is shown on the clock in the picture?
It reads 6,22,03
